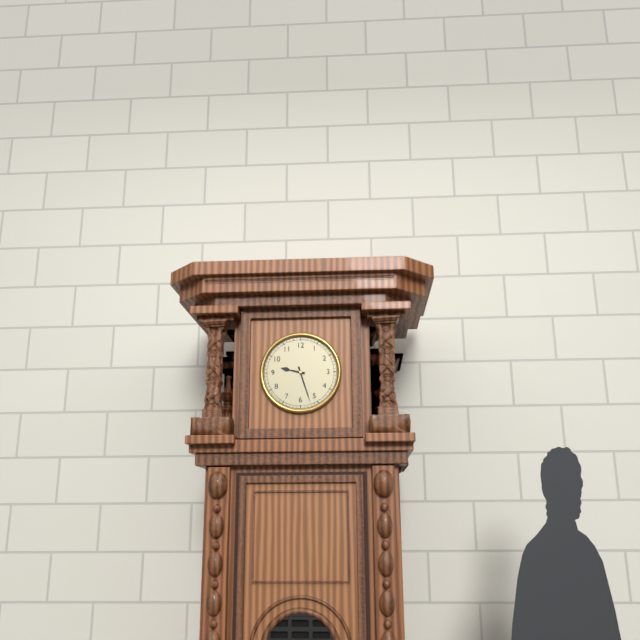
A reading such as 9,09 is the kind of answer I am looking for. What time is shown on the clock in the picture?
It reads 9,27
